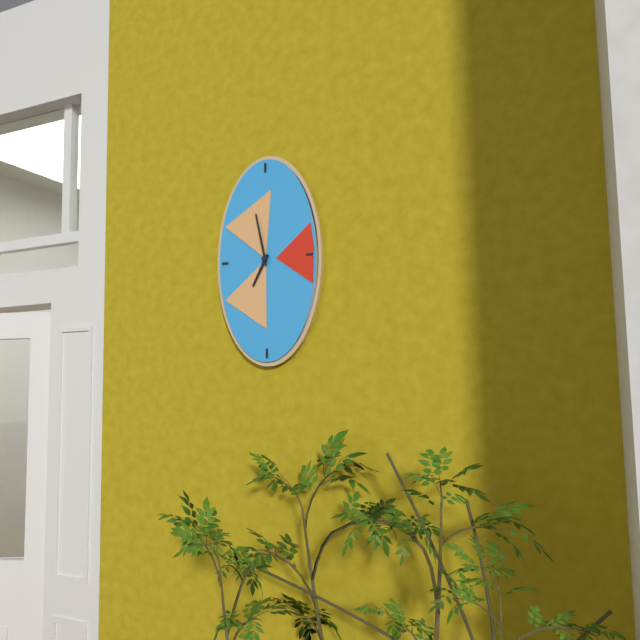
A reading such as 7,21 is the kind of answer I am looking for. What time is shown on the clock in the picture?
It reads 6,58
